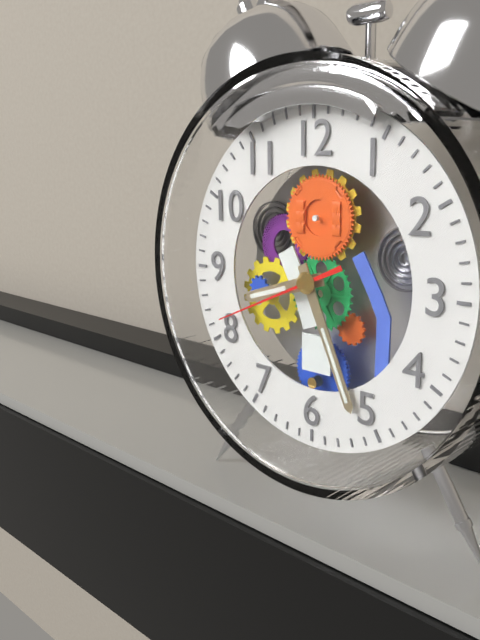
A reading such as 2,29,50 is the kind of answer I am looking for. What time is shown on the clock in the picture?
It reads 8,26,41
